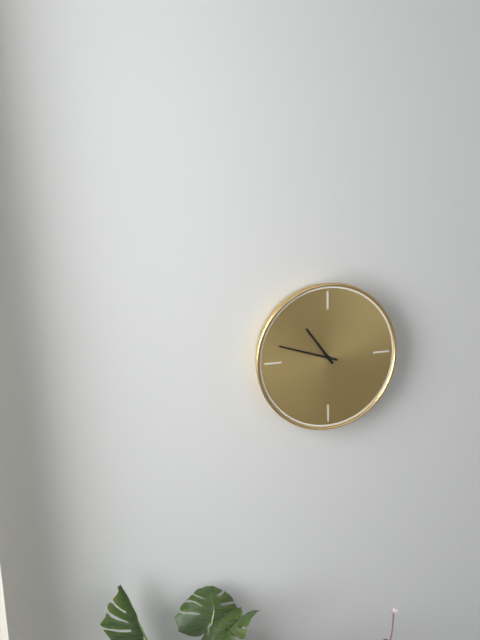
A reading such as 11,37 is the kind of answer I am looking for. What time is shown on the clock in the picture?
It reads 10,48
